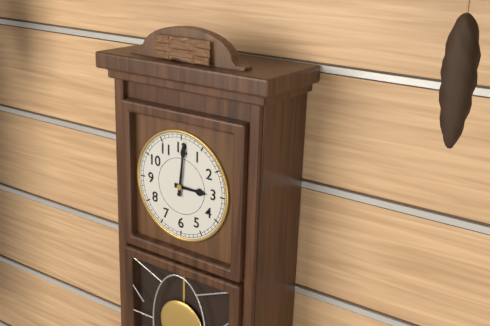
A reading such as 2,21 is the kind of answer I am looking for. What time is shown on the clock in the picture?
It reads 3,01
